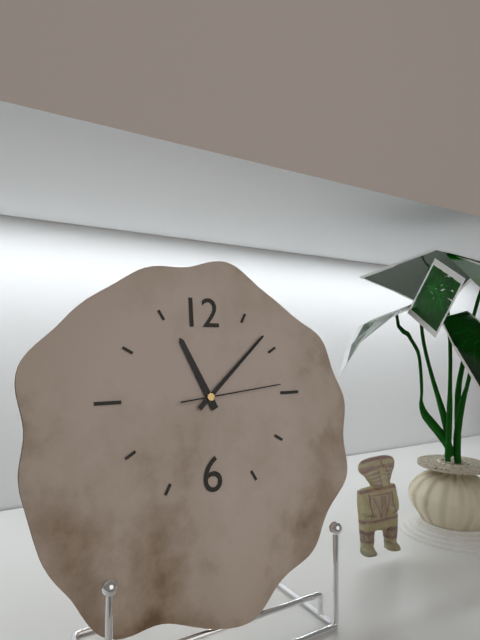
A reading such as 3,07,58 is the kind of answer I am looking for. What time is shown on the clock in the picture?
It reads 11,08,14
